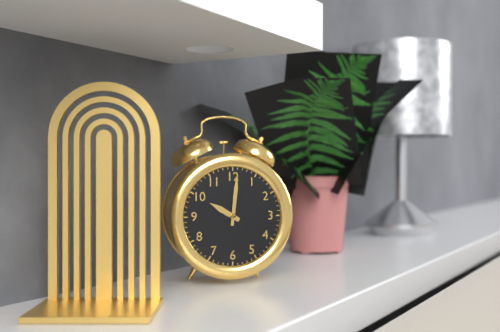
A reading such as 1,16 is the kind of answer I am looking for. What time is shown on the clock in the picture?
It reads 10,01
